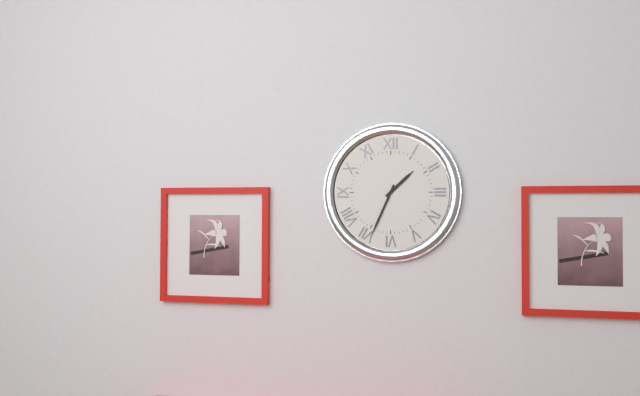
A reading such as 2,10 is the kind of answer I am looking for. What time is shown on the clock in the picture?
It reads 1,34
